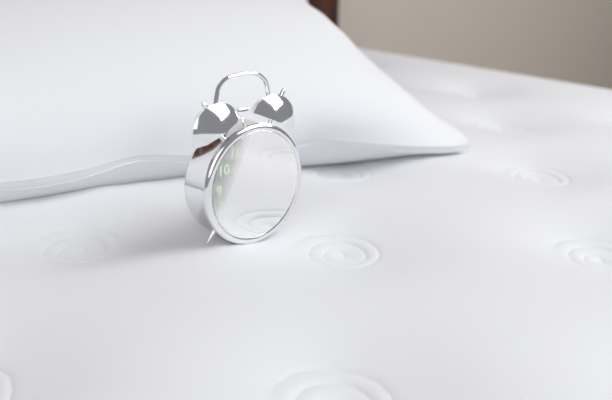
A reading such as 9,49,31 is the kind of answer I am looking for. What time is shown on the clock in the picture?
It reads 1,20,12
